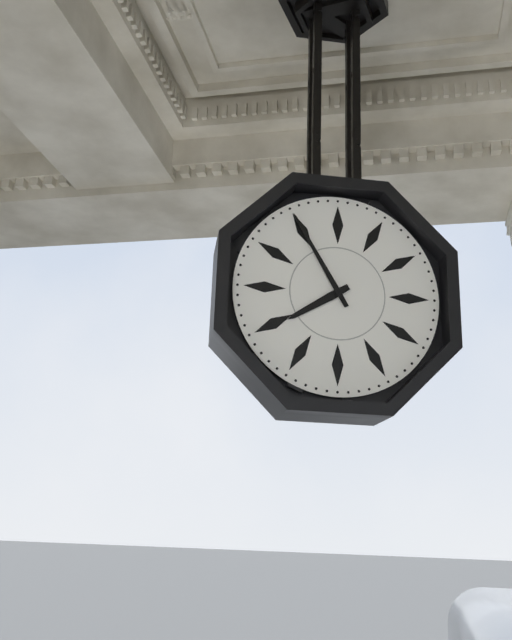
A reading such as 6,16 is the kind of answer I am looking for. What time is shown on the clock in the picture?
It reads 7,55
